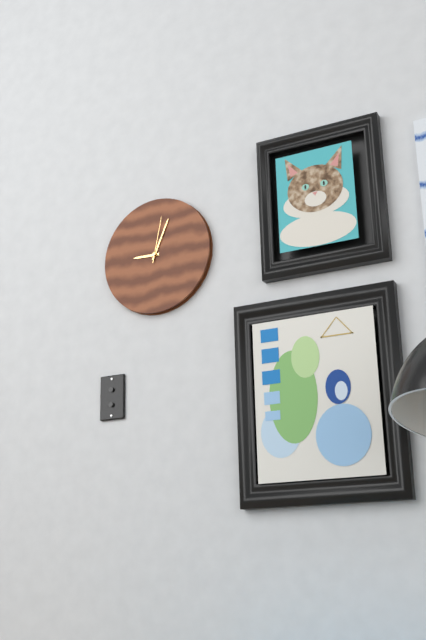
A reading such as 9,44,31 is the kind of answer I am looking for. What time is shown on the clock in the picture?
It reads 9,04,02
